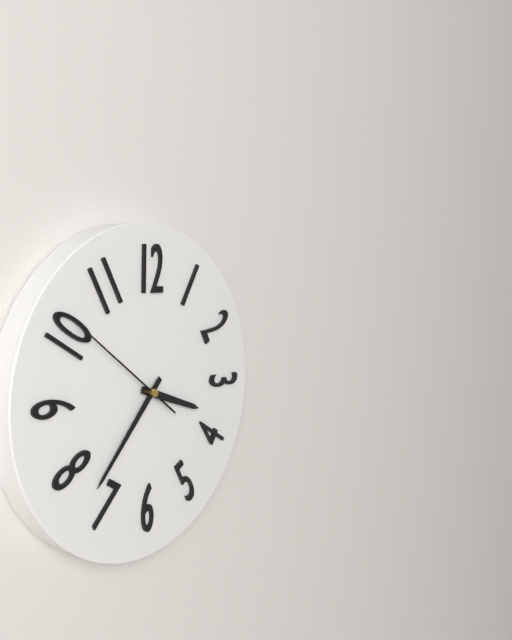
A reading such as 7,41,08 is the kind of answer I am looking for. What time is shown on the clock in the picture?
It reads 3,37,51
